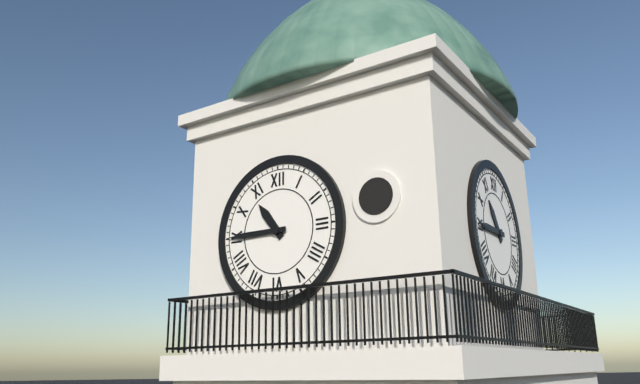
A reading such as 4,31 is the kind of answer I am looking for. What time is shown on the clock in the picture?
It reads 10,45
